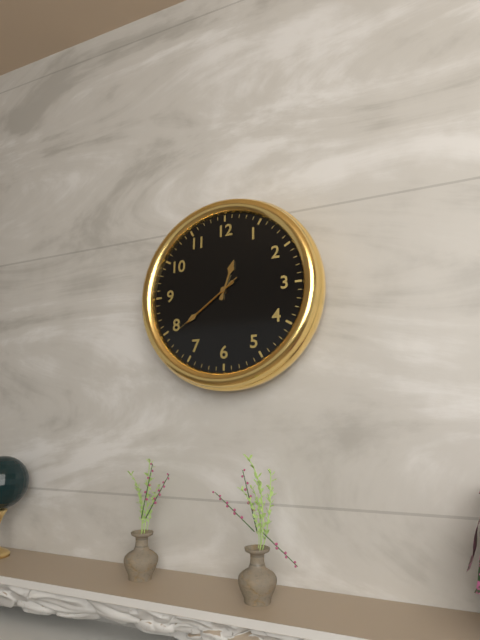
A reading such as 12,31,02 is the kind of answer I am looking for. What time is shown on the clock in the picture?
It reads 12,39,39
